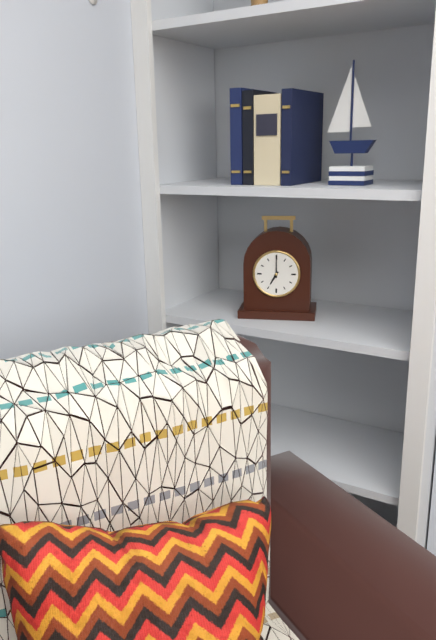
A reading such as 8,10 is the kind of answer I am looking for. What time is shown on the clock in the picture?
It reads 7,00
